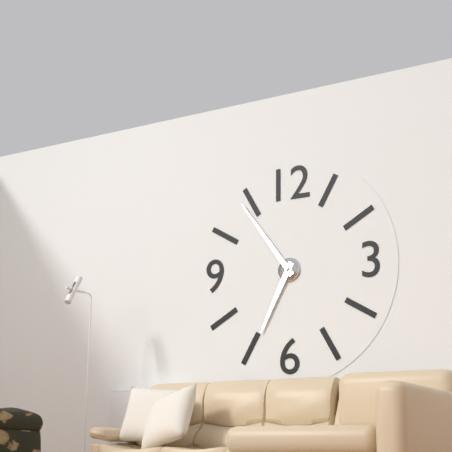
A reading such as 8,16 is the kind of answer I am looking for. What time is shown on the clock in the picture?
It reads 6,54
